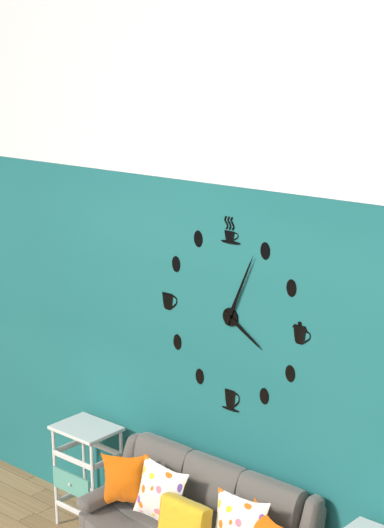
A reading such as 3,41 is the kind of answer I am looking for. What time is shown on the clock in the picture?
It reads 4,04
